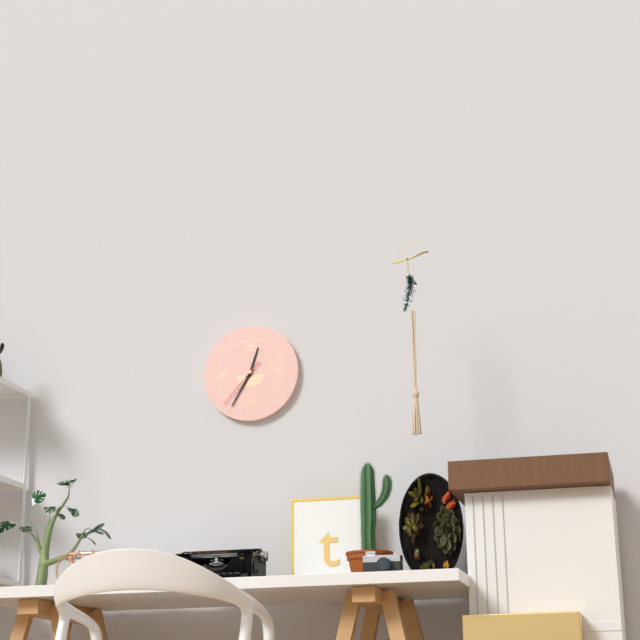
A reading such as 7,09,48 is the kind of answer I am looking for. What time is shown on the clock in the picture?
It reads 12,35,37
